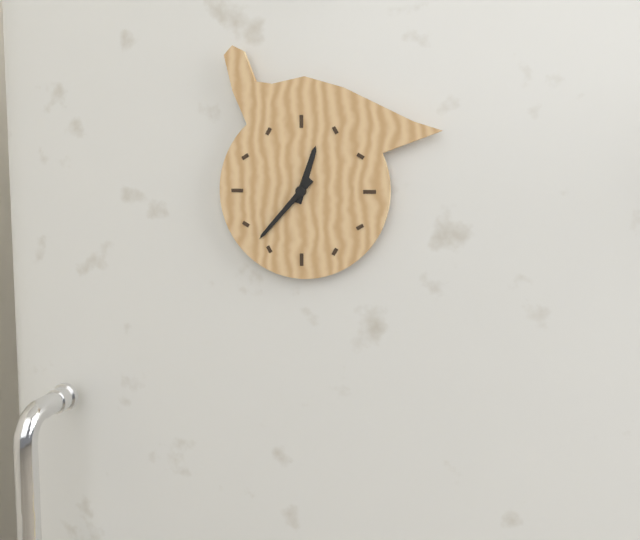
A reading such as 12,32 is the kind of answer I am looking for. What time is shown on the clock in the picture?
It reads 12,37
